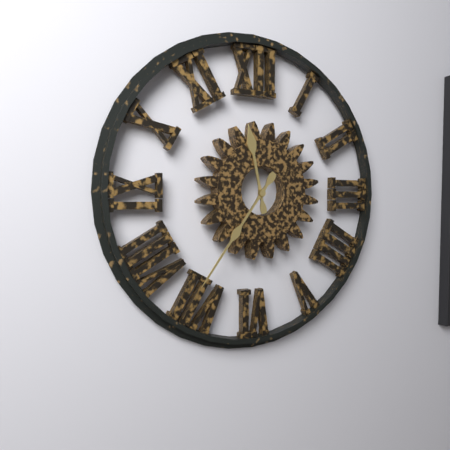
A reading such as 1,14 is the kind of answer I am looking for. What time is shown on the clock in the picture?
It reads 11,36
